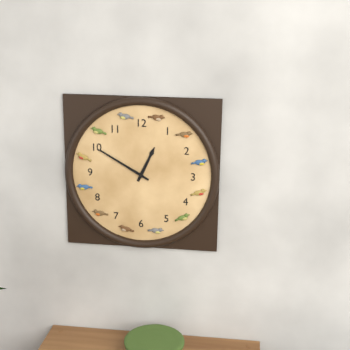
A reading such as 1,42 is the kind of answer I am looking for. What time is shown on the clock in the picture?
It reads 12,50
